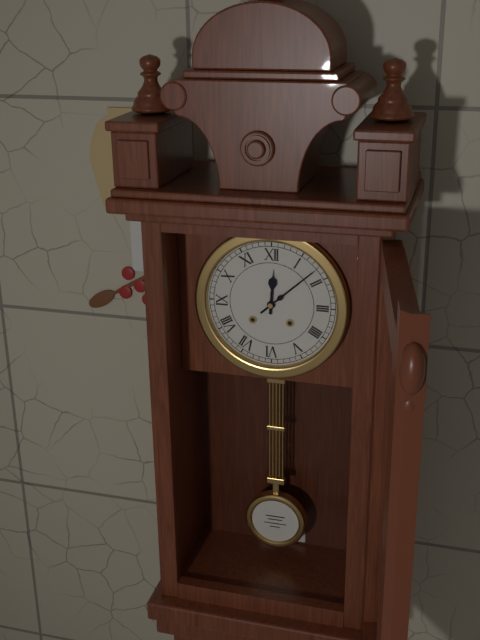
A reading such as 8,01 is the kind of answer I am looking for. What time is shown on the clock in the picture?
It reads 12,08
